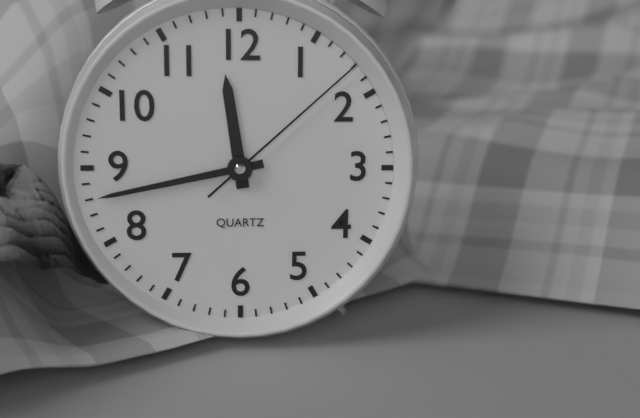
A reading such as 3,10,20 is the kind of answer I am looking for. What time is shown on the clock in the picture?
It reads 11,43,08
